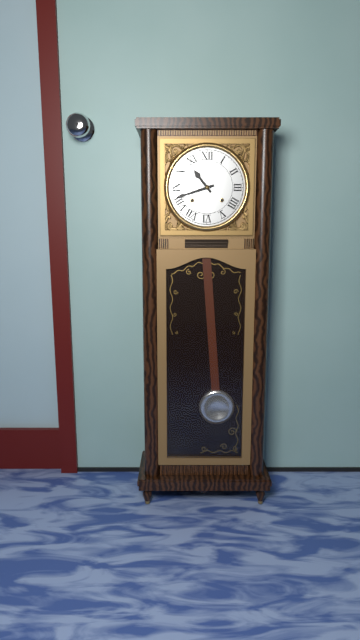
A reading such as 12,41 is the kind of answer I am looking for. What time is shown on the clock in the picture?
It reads 10,42
